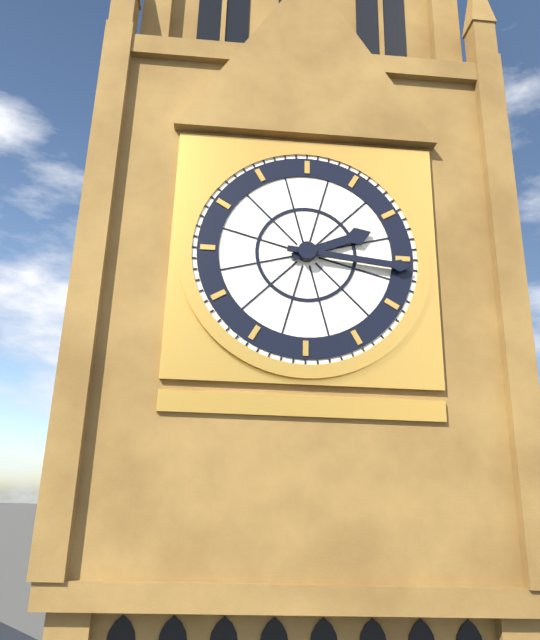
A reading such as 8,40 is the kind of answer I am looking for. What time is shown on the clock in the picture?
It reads 2,16
